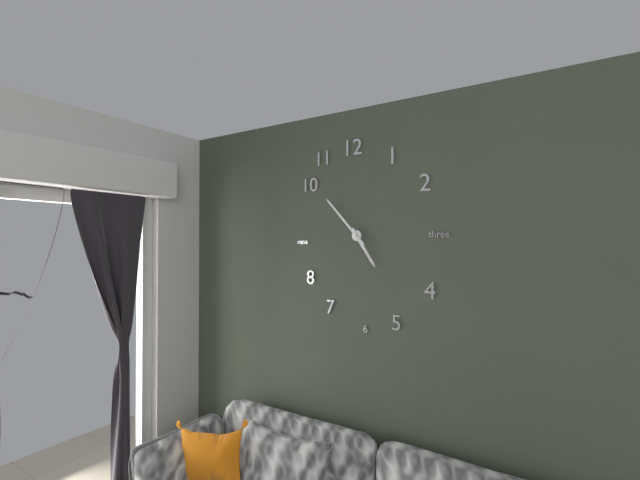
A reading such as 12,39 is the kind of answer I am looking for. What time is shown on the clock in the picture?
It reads 4,53
